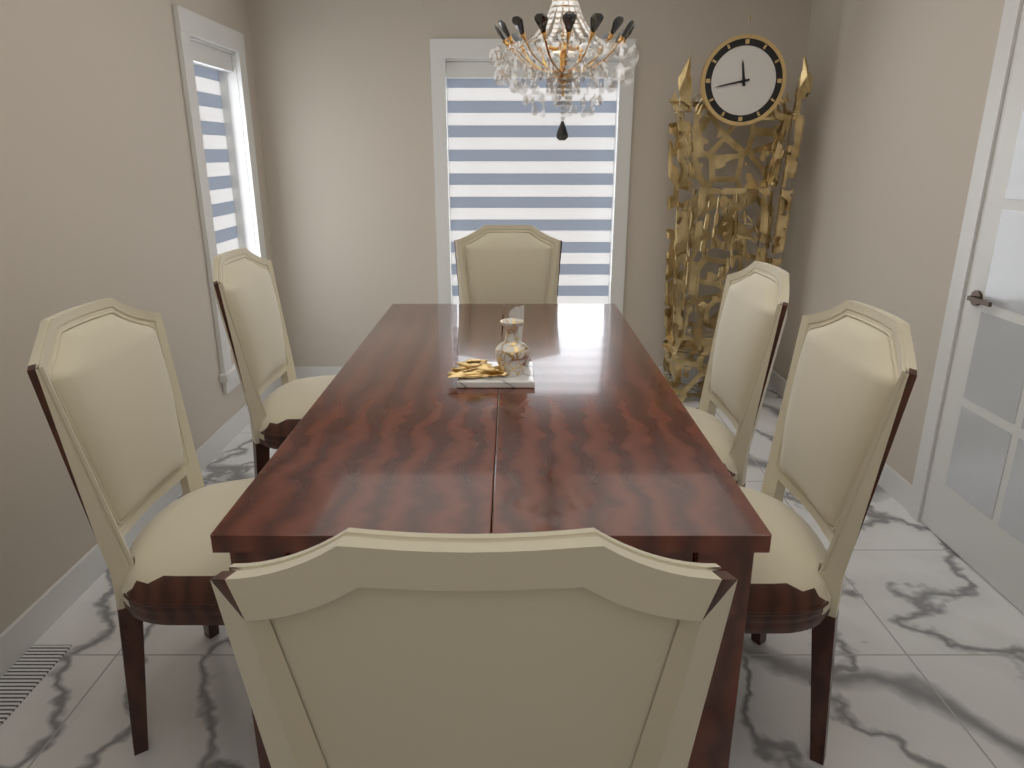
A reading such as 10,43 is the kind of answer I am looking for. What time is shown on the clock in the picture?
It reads 11,43
